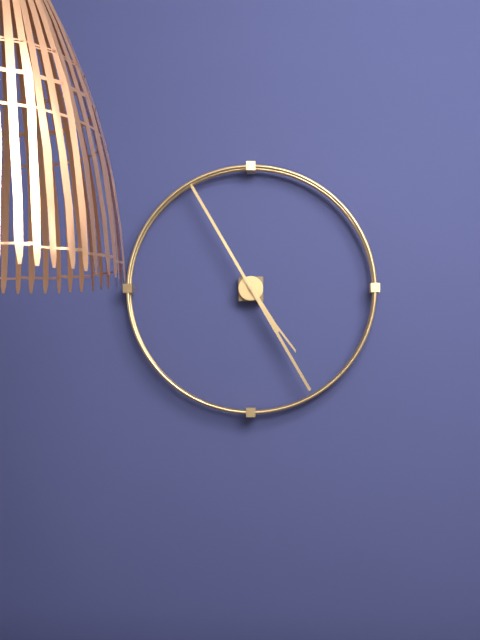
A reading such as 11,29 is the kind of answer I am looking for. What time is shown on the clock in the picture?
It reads 4,55
